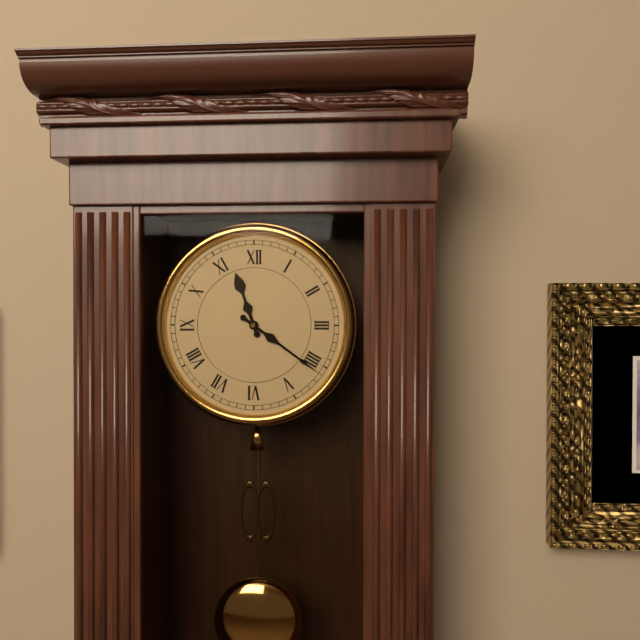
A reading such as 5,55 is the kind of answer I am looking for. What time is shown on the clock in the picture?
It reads 11,21
